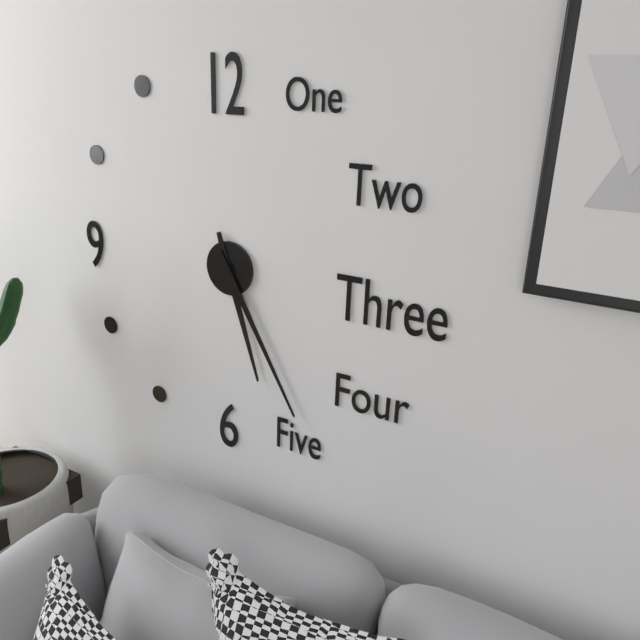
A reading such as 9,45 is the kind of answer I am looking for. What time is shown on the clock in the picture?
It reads 5,25
